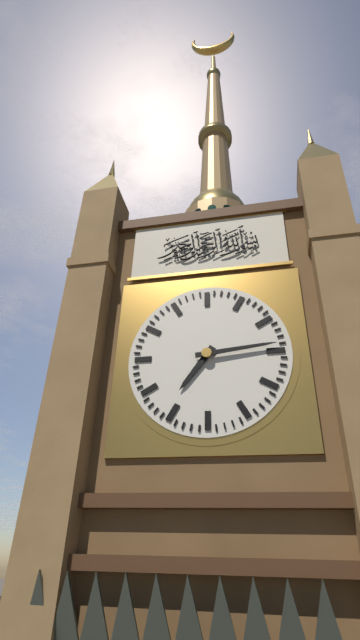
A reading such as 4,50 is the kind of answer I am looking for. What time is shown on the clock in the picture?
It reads 7,14
